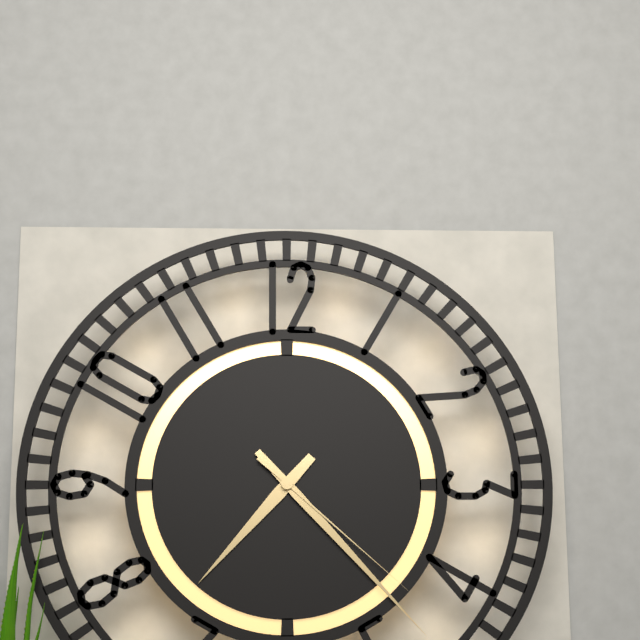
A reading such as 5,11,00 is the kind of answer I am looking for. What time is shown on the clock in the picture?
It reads 7,23,22
